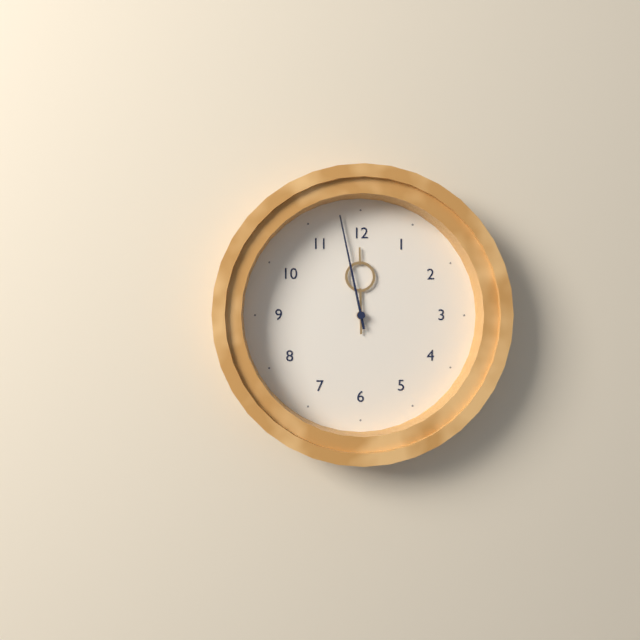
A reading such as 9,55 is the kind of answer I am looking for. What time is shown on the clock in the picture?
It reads 11,58
